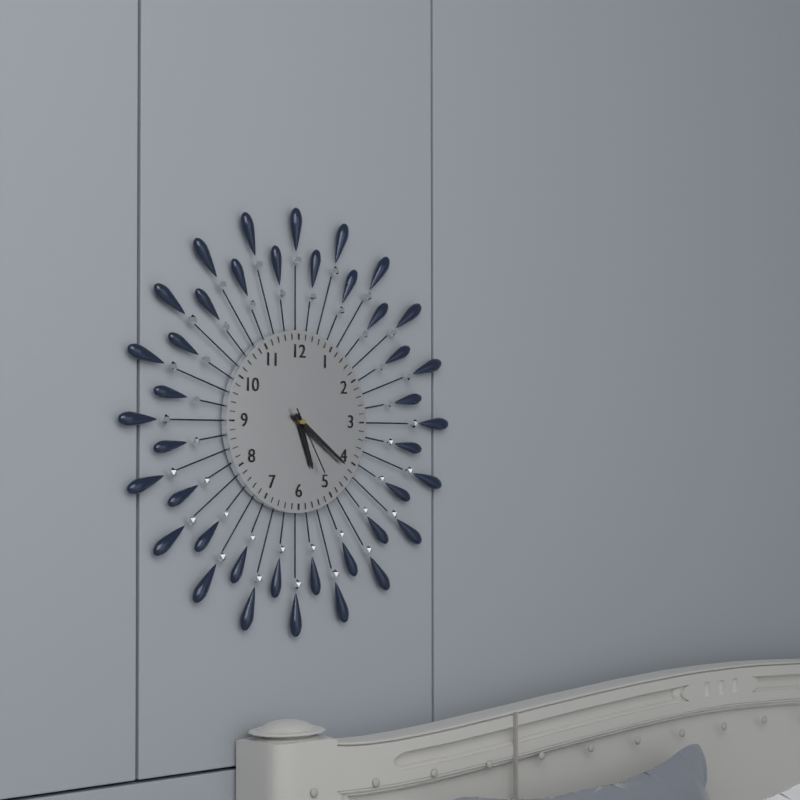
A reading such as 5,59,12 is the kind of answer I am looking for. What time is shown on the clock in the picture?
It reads 5,21,25
